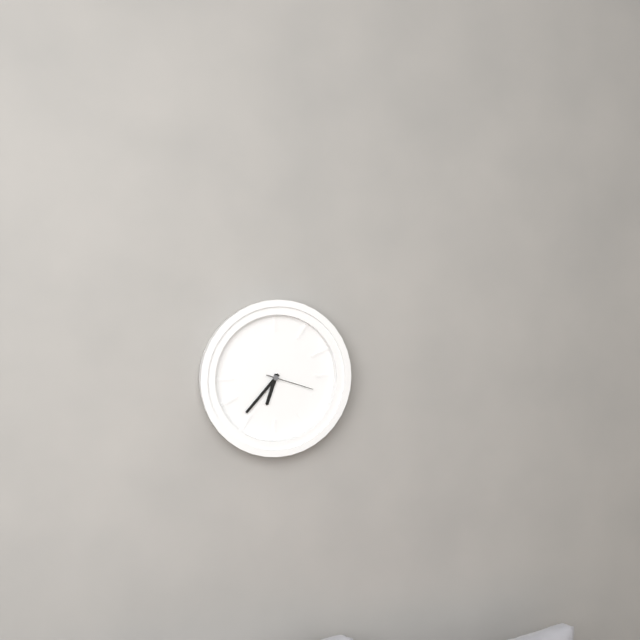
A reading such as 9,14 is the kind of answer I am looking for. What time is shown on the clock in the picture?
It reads 6,37
